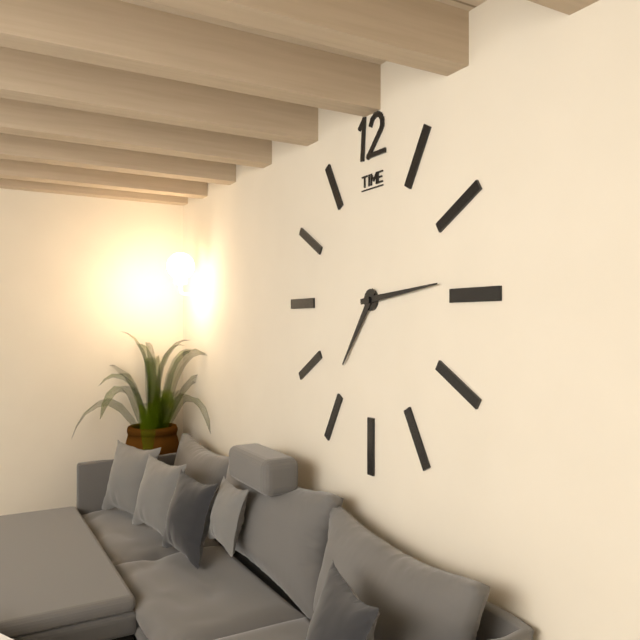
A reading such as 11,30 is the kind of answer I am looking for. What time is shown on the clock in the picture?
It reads 7,14
